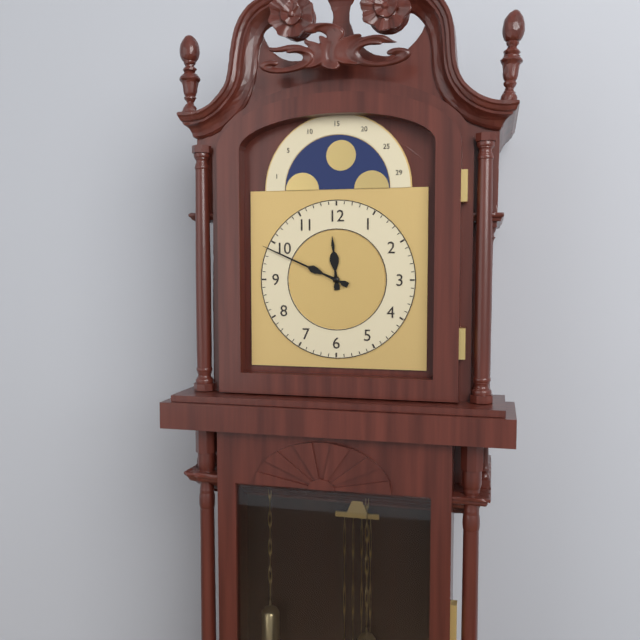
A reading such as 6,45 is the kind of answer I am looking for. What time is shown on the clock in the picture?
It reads 11,49
